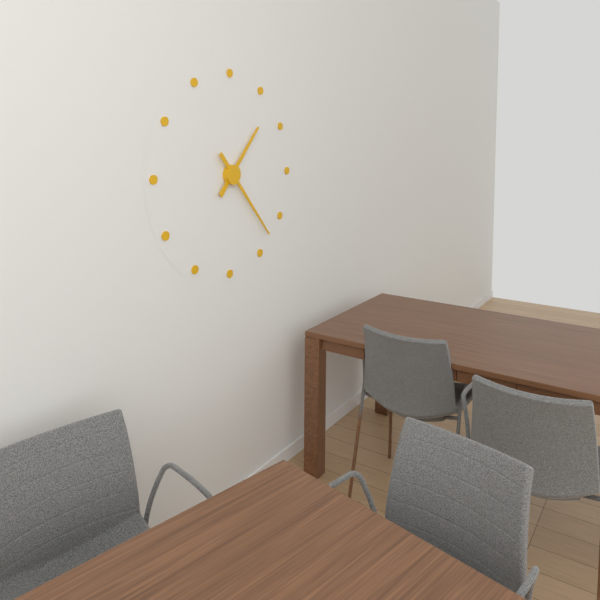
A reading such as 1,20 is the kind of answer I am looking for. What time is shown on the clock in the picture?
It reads 1,23
